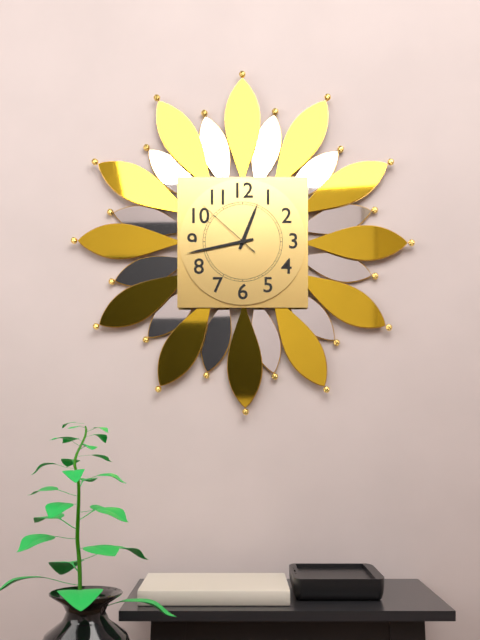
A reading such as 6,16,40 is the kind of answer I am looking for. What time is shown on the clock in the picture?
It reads 12,43,52
